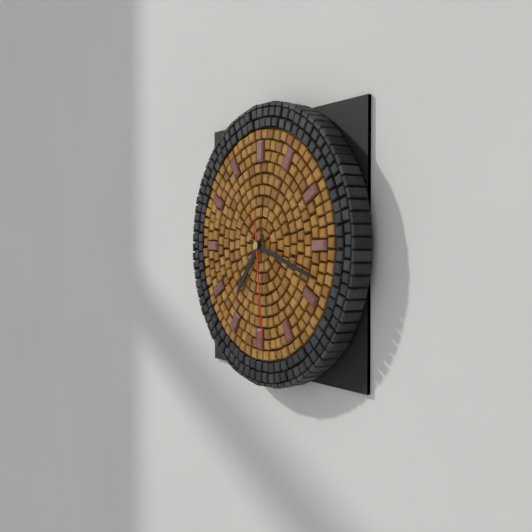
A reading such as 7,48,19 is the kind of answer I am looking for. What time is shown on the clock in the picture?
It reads 7,18,29
